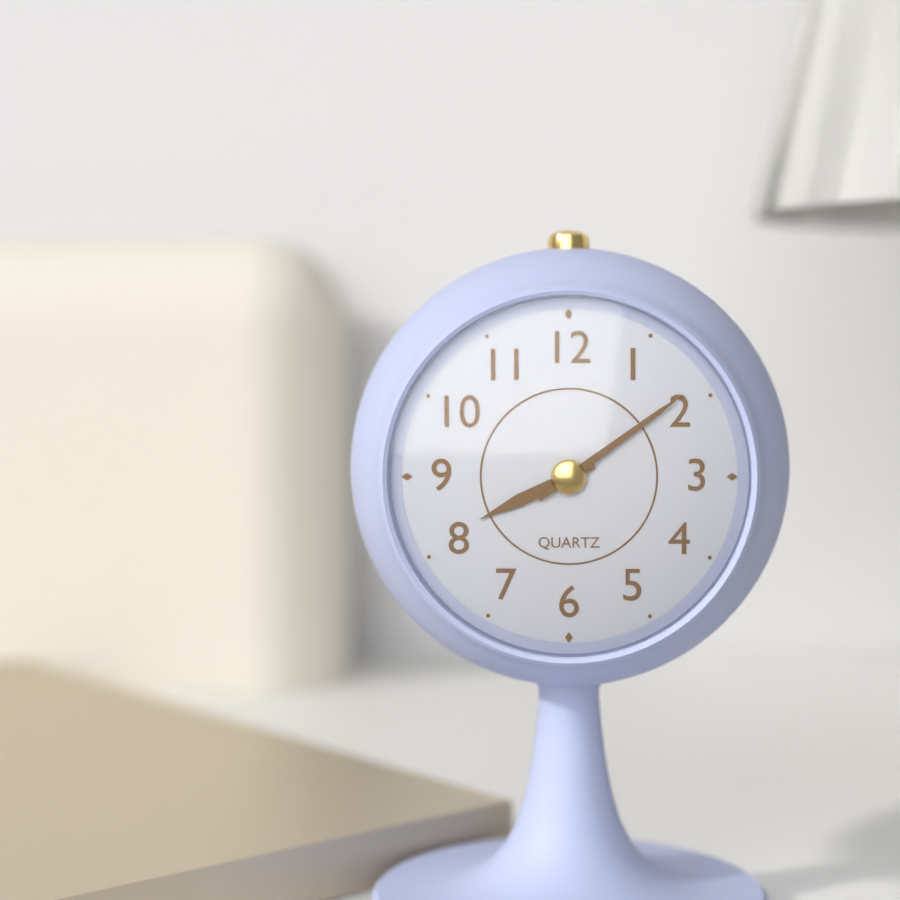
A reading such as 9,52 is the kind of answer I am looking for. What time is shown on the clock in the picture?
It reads 8,09
